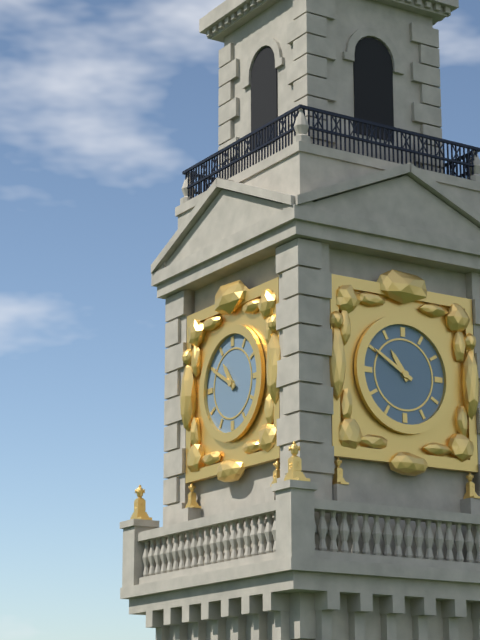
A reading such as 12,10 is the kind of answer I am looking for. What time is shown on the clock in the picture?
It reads 10,50
